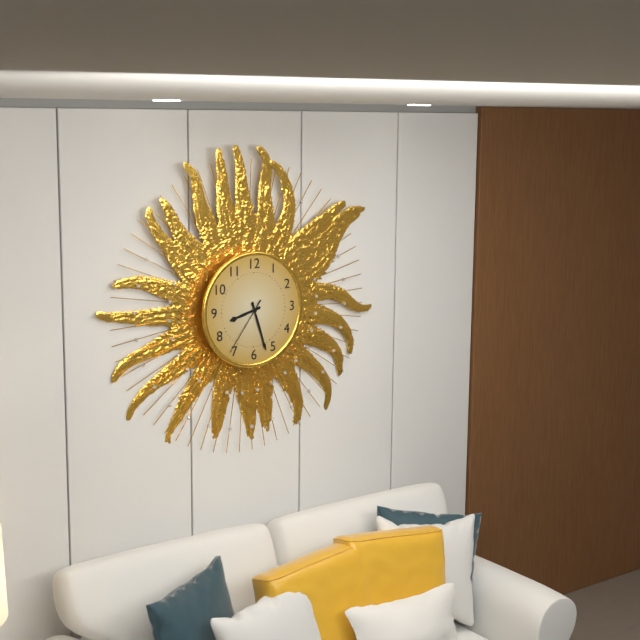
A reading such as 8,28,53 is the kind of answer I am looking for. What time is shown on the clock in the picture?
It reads 8,27,36
